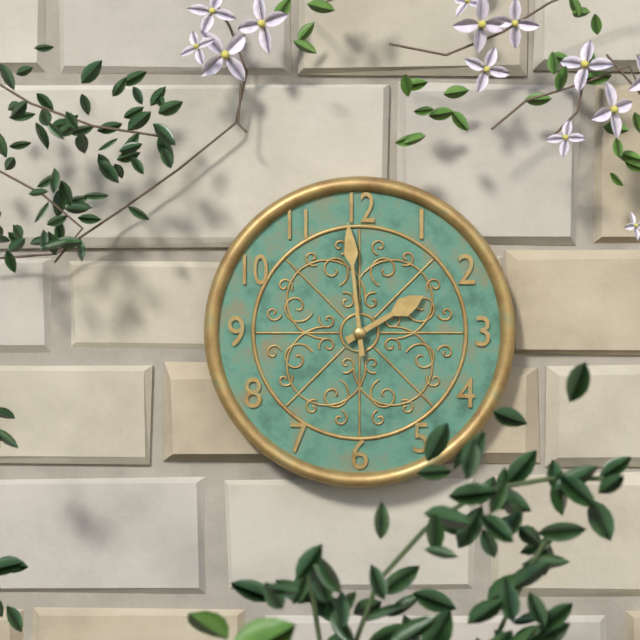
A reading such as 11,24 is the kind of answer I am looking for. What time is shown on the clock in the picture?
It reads 1,59
